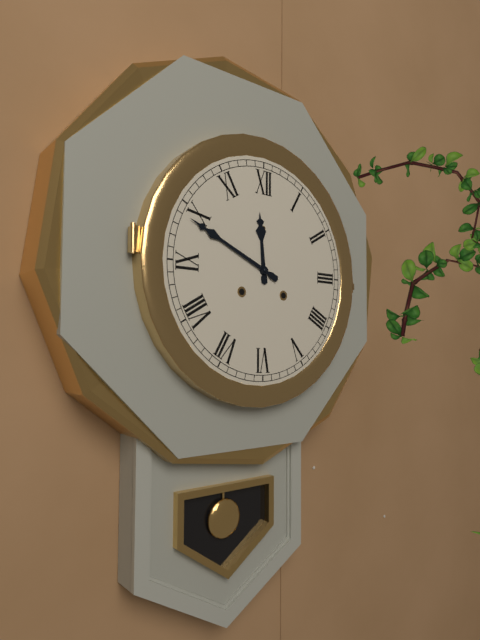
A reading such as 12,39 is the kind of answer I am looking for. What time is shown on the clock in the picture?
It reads 11,49
